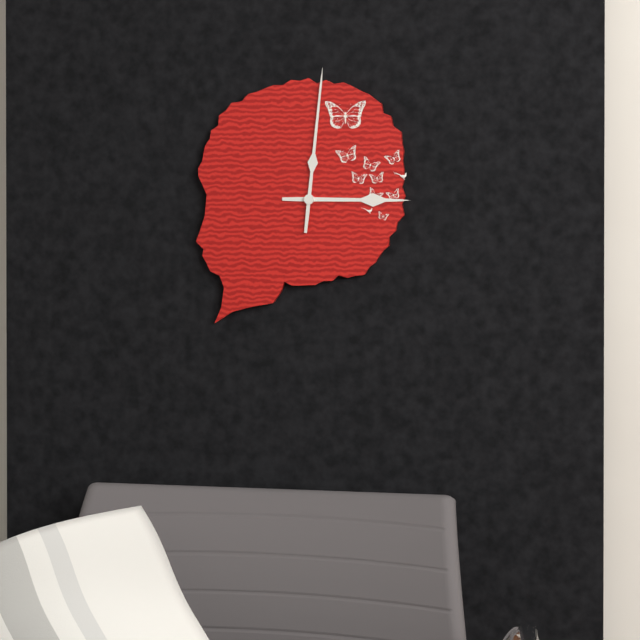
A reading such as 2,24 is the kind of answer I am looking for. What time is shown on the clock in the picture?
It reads 3,01
